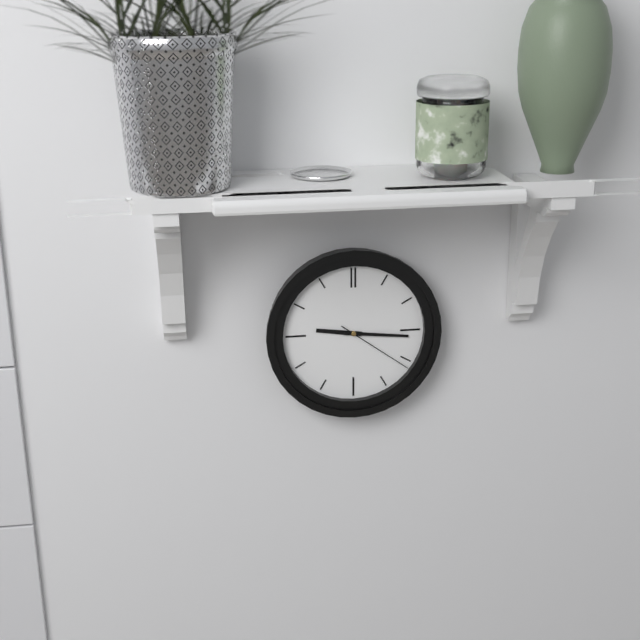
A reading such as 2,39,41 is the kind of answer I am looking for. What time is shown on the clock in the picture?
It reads 9,16,21
